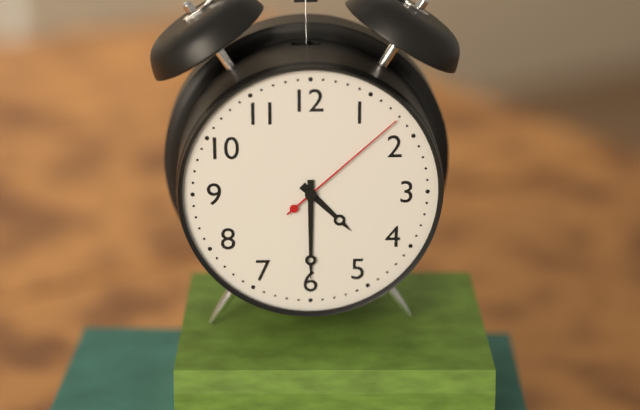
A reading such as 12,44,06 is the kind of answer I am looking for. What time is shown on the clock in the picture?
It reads 4,30,08
